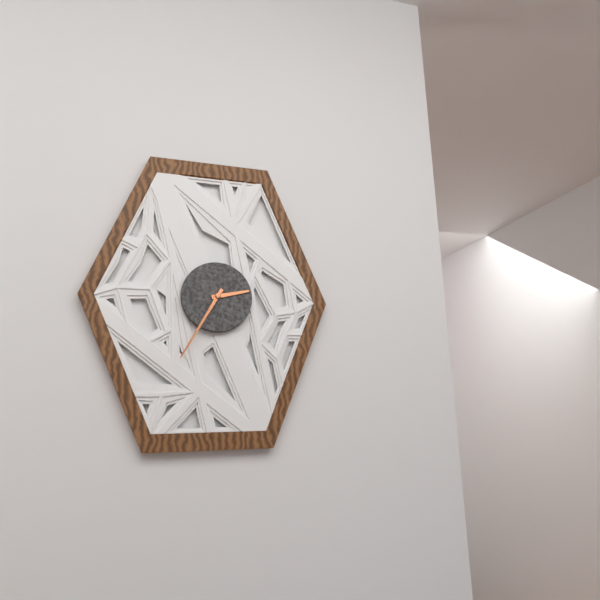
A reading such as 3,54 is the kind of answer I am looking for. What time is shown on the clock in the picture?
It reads 2,35
